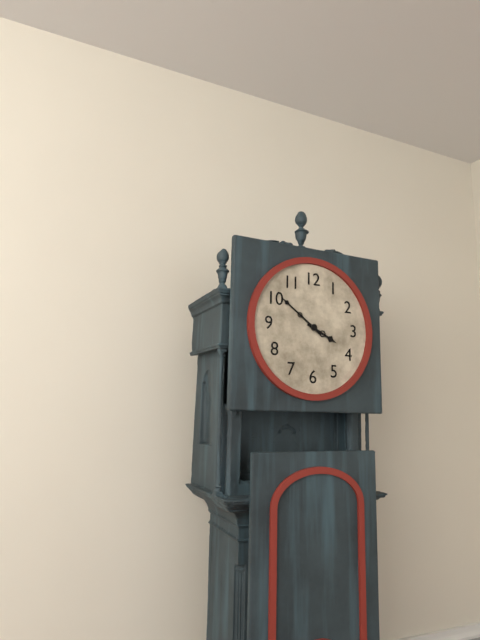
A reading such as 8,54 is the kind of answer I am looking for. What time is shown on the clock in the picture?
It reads 3,51
